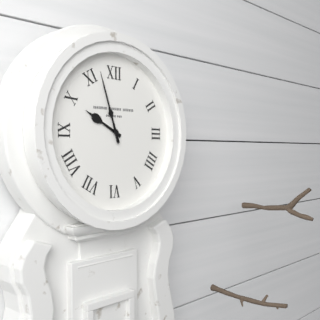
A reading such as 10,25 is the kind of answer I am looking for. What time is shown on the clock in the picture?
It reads 9,57
